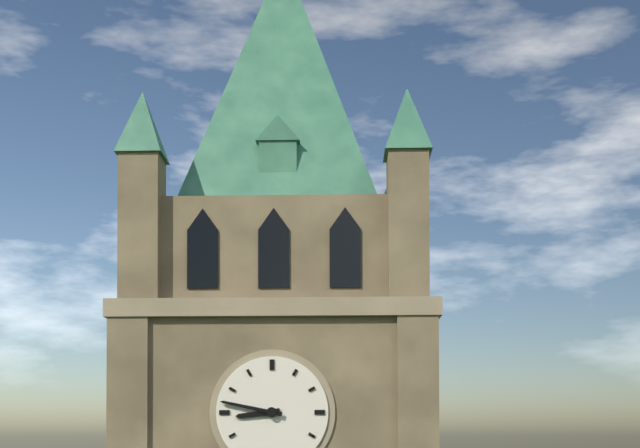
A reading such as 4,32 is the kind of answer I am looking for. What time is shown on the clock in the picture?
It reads 8,47
